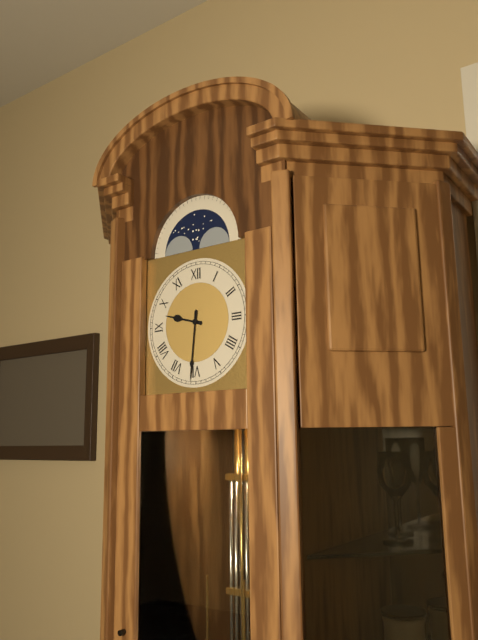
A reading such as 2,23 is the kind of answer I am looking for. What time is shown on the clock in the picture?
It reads 9,31
